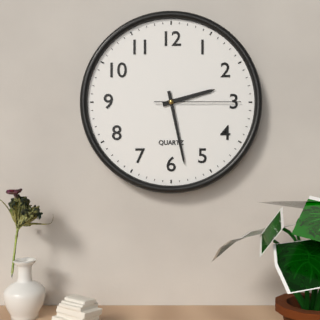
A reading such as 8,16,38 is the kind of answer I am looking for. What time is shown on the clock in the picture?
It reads 2,28,15
